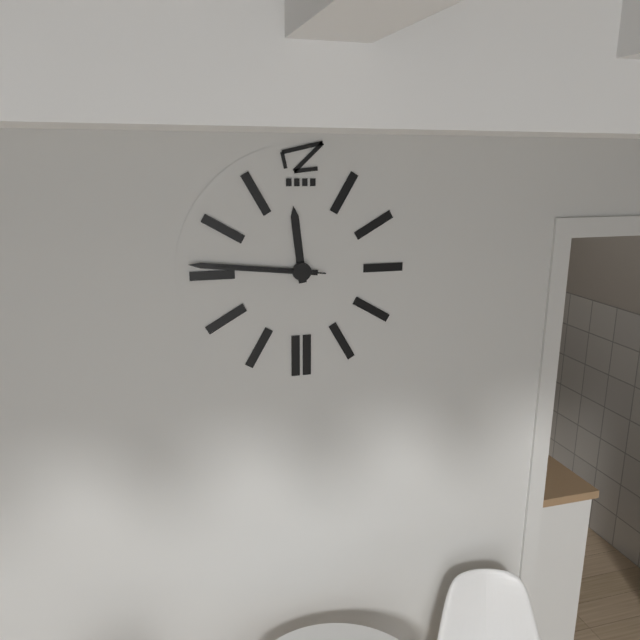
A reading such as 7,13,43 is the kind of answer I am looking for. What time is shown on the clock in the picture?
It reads 11,46,46
